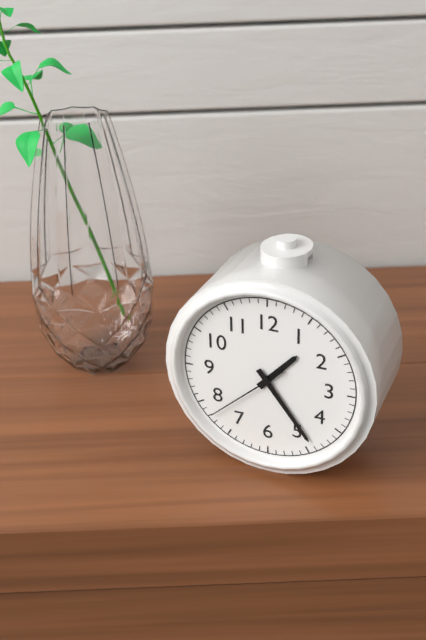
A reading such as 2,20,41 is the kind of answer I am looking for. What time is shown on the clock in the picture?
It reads 1,24,38
